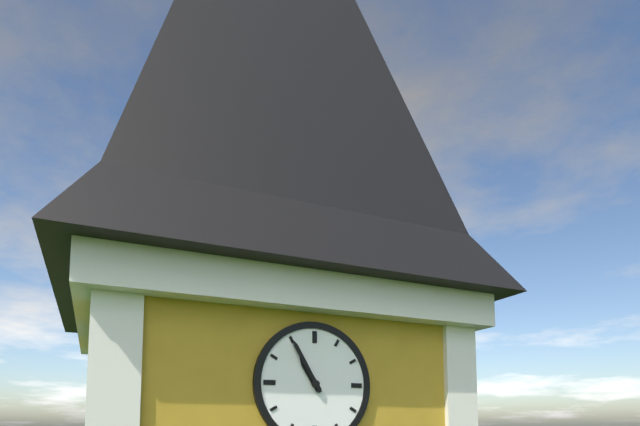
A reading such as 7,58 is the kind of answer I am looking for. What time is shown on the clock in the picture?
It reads 10,55
